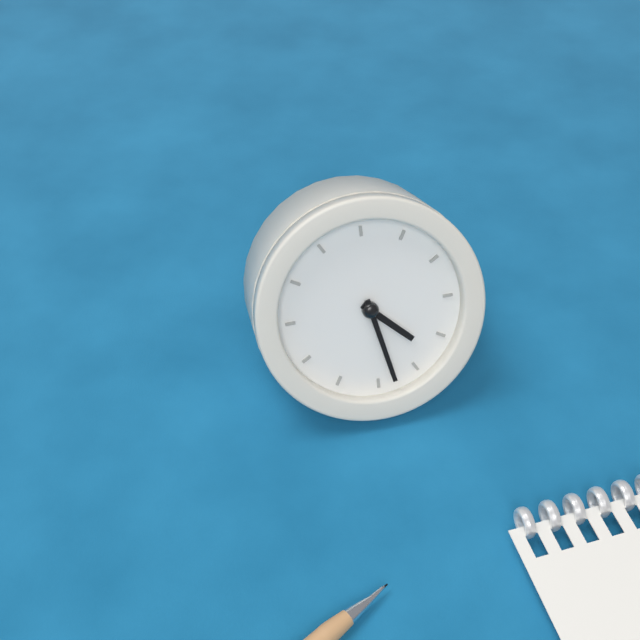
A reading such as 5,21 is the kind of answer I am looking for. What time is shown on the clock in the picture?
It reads 4,28
